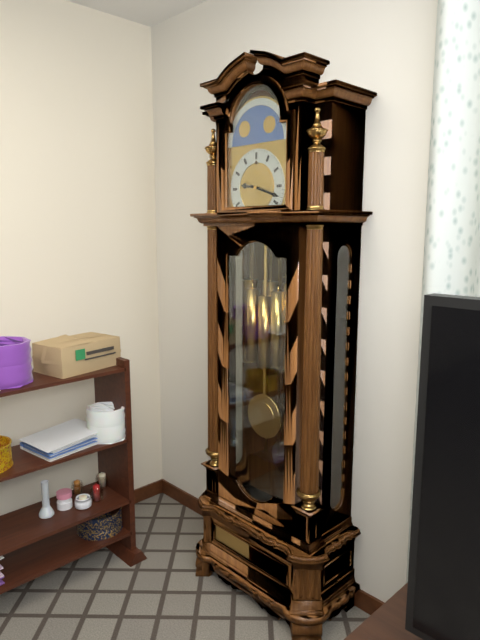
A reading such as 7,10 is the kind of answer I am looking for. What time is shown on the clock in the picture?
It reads 9,18
